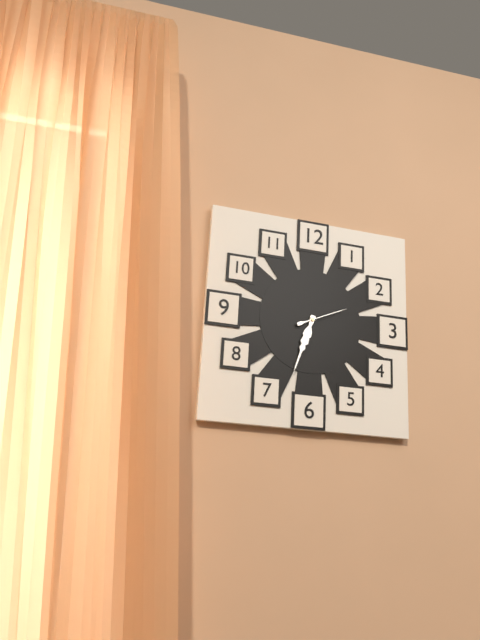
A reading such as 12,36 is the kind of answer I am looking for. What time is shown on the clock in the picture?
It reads 6,33
